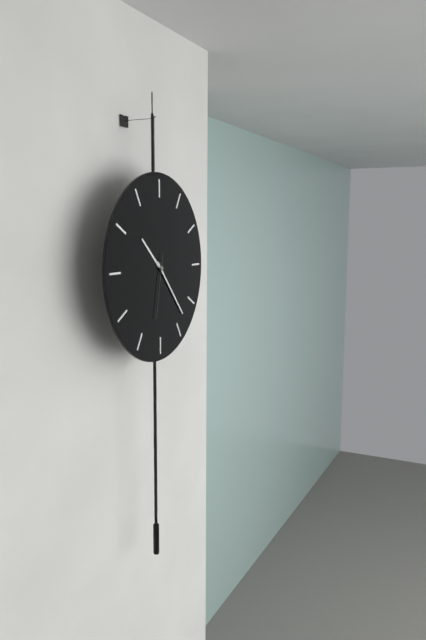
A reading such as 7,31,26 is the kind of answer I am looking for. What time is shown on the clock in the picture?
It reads 10,23,32
